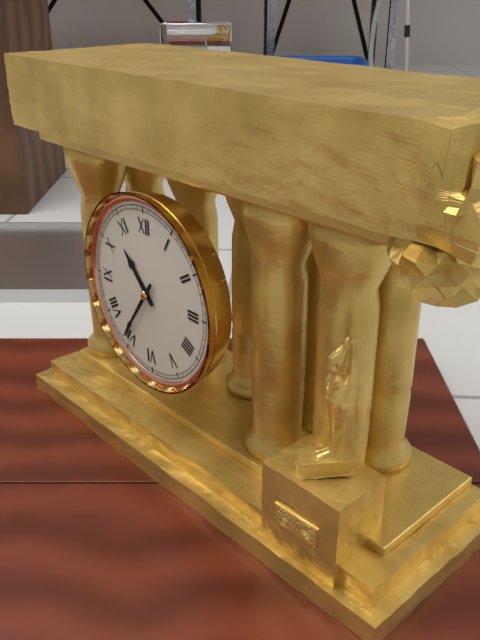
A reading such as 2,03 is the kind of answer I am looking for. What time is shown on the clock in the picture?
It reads 10,36
